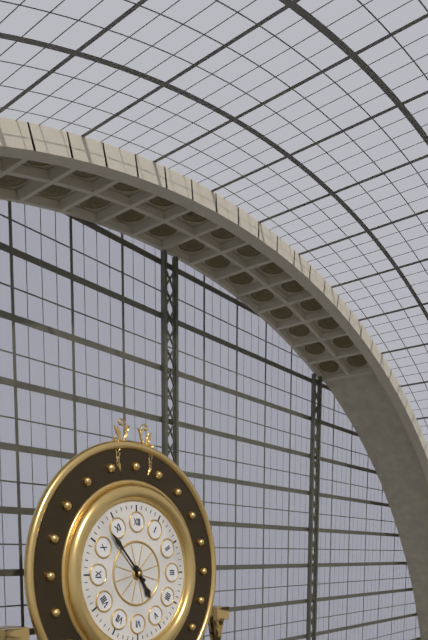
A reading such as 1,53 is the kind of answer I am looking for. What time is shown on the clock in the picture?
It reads 4,53
